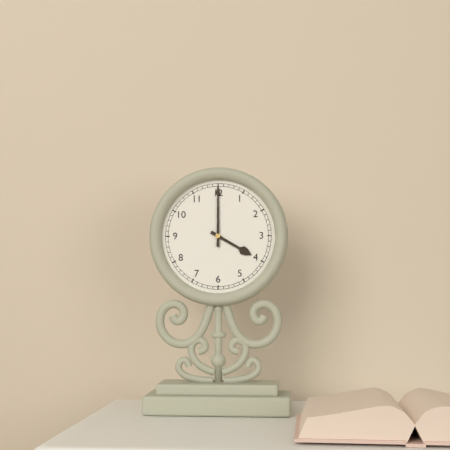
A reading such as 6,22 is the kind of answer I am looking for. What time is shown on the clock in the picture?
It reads 4,00
